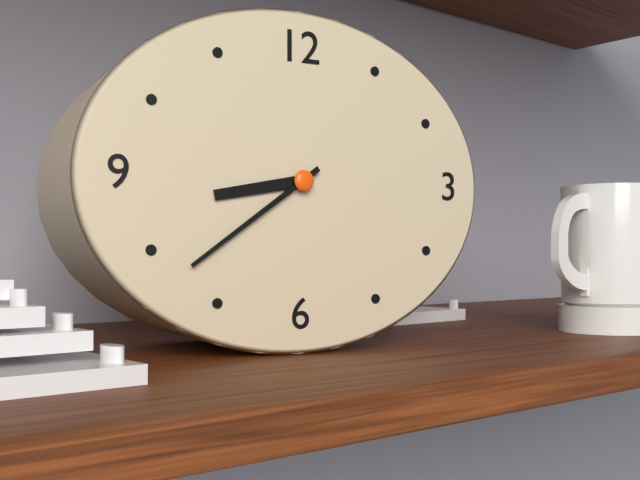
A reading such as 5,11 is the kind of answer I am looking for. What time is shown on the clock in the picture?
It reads 8,39
